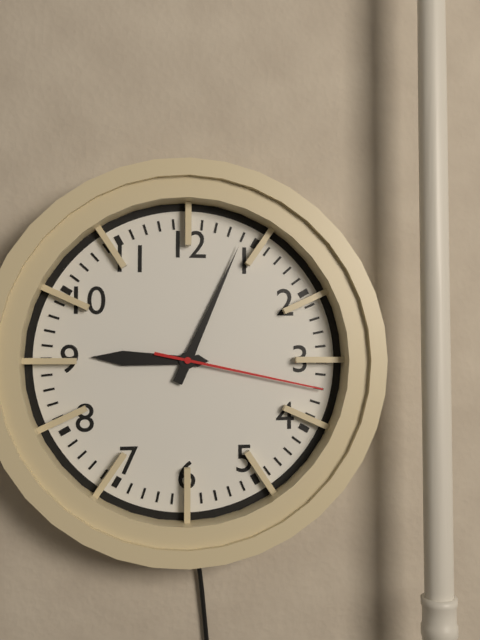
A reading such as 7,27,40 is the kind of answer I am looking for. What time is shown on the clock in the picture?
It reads 9,04,17
